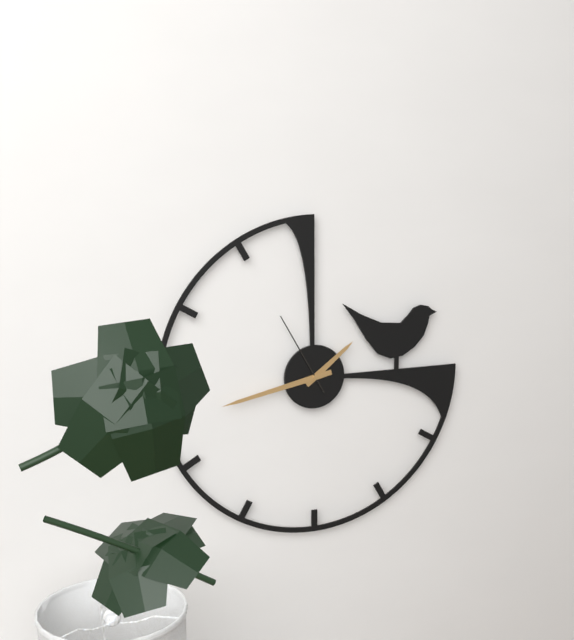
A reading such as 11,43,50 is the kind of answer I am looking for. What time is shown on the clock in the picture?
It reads 1,43,55
